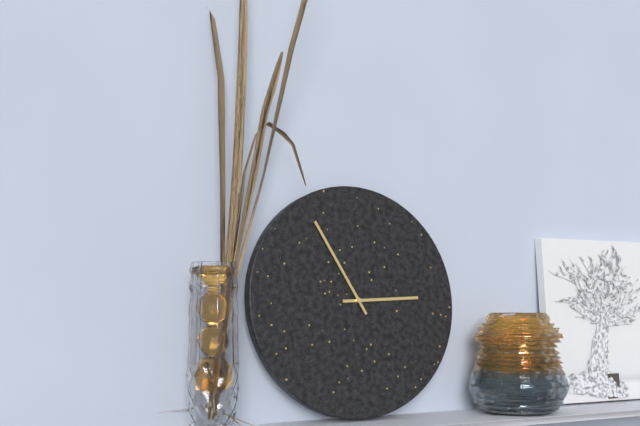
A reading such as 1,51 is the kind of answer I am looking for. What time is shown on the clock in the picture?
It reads 2,55
